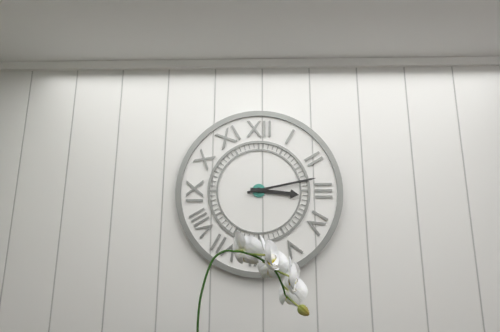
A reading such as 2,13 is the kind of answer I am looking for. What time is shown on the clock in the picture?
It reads 3,13
